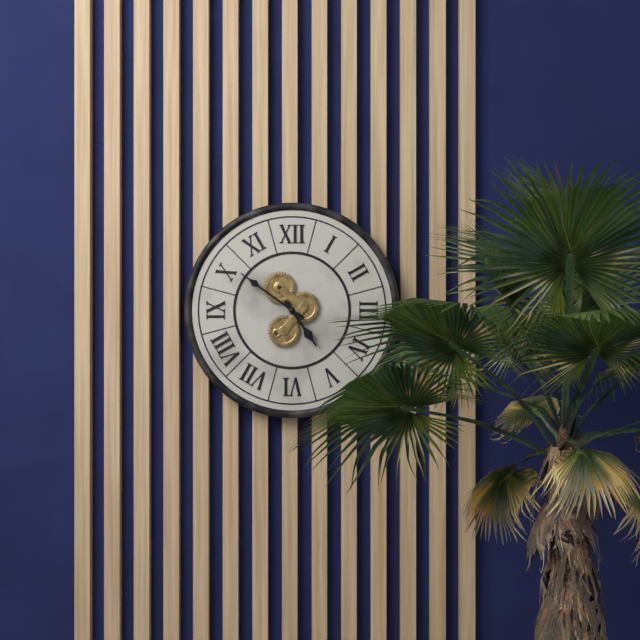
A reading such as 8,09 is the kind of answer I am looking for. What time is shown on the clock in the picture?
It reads 4,51
